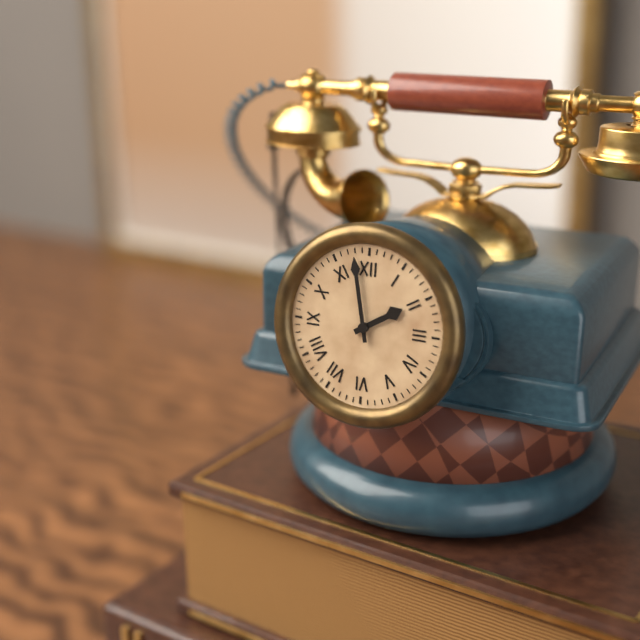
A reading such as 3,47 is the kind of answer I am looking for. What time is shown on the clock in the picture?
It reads 1,58
